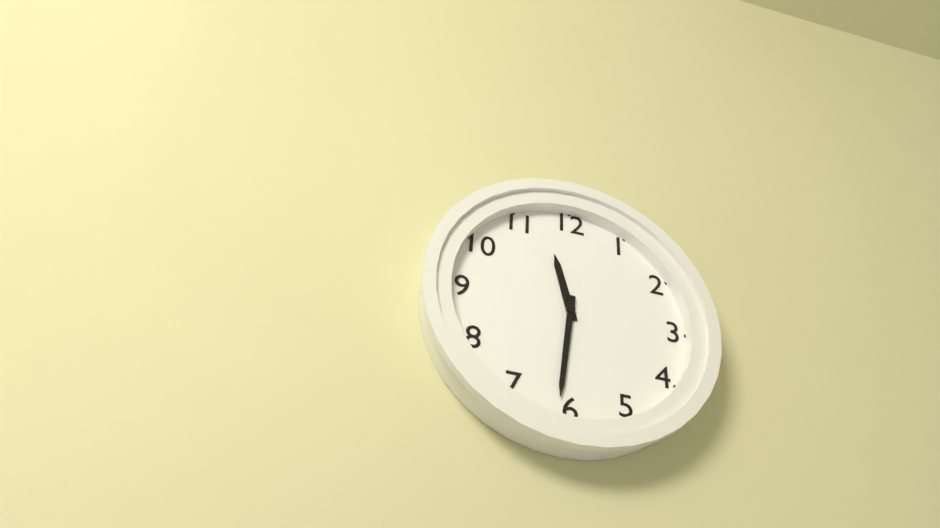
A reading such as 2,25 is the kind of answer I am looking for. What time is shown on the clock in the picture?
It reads 11,31
